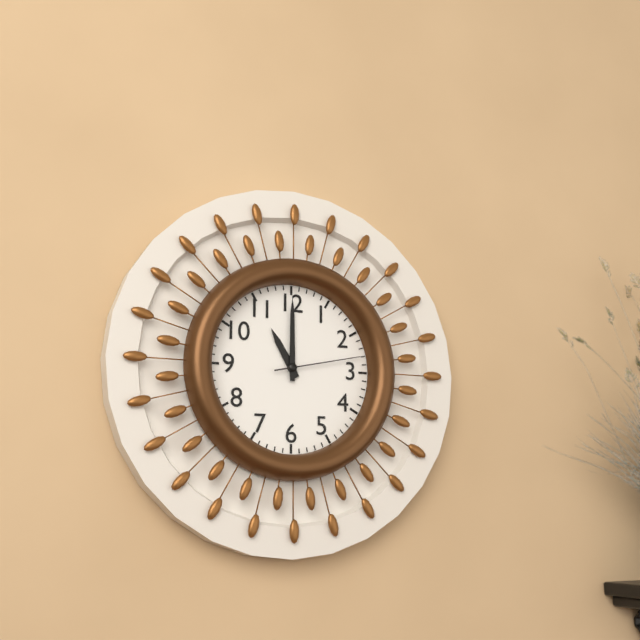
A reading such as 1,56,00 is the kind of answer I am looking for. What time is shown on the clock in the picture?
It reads 11,00,13
